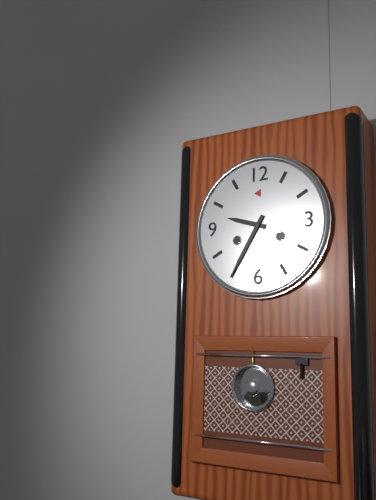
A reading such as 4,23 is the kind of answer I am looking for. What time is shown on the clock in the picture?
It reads 9,35
